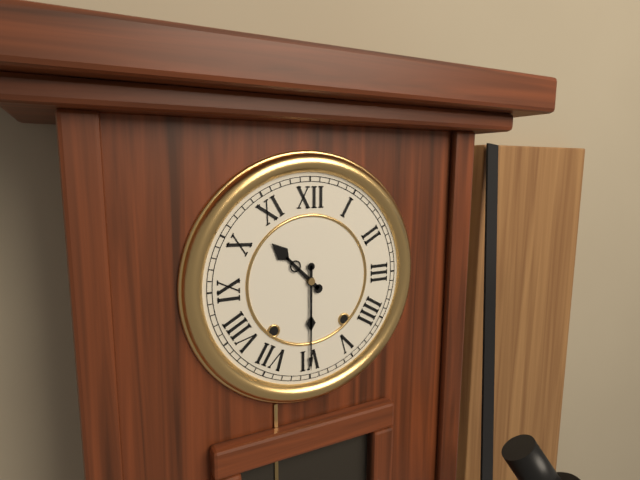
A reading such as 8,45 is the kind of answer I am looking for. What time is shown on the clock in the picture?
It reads 10,30
